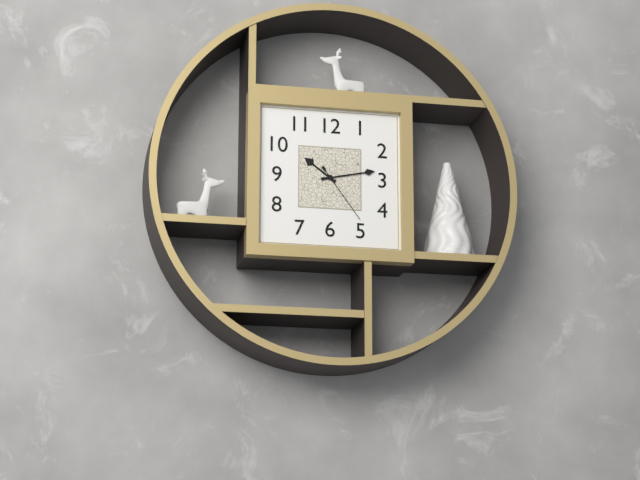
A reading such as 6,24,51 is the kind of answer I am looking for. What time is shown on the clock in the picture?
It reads 10,13,24
